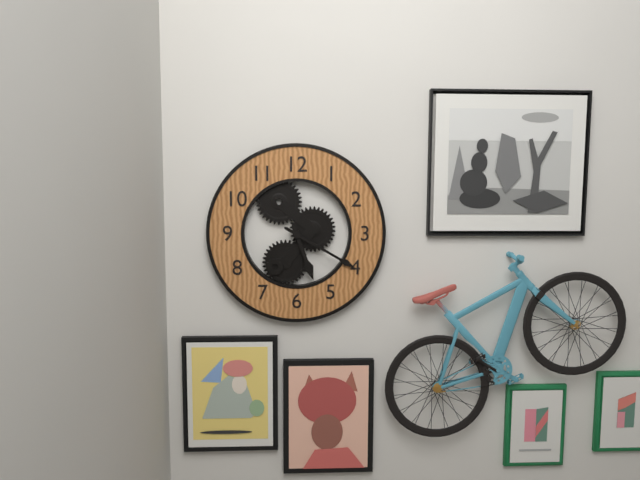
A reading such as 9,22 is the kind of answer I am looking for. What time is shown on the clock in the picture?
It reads 5,20
